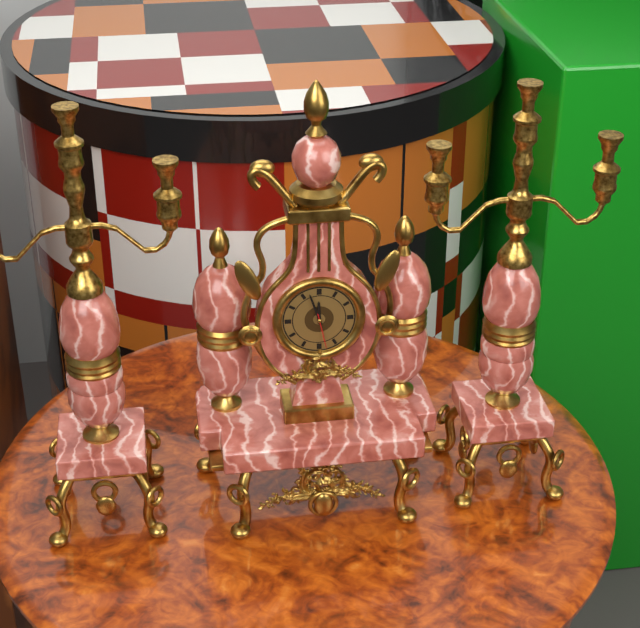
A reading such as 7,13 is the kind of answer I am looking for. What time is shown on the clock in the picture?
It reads 11,57
